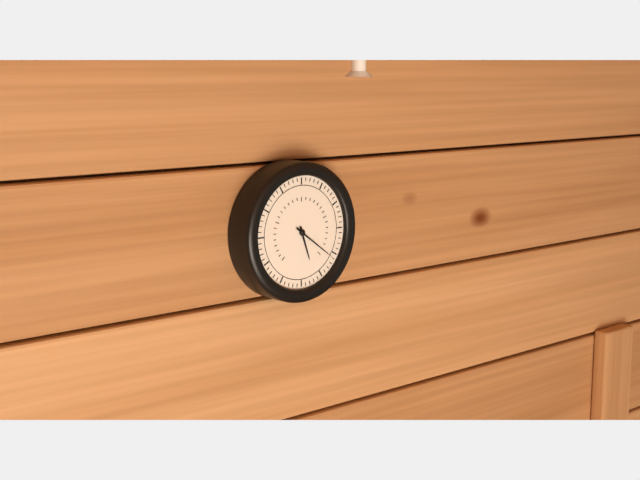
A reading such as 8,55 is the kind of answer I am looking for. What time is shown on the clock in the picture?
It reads 5,21
